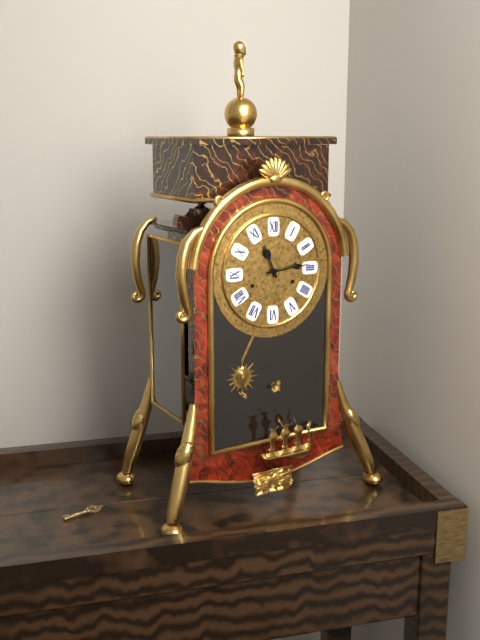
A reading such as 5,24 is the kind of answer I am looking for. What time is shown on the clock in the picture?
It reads 11,14
